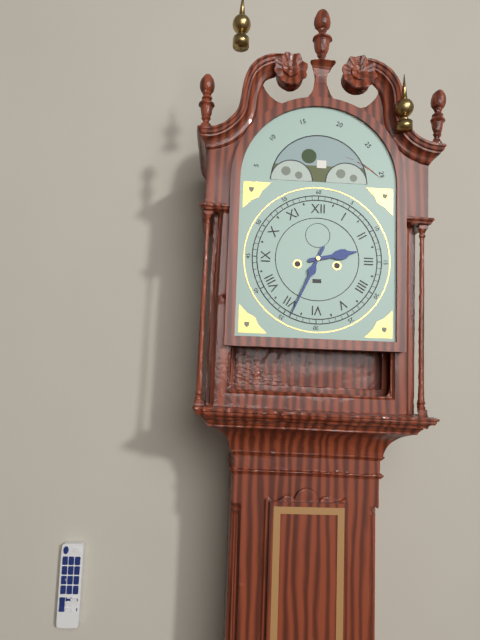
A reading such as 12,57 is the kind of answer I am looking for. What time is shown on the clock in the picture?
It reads 2,34
